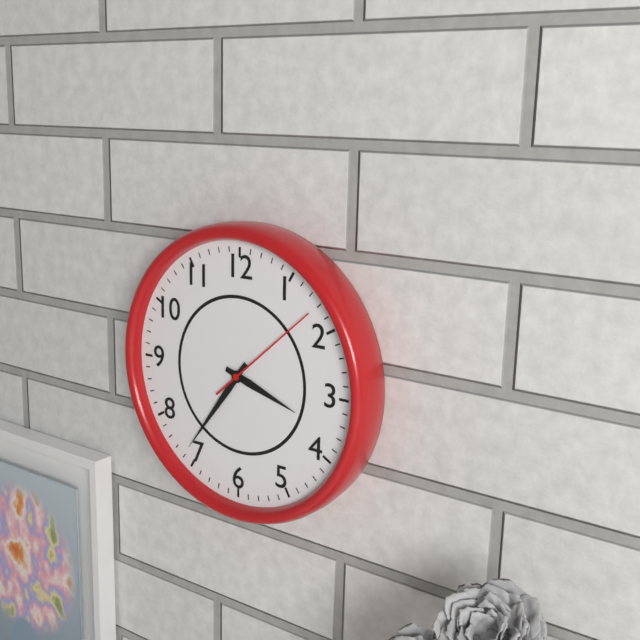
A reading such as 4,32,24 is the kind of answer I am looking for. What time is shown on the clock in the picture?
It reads 3,36,08
